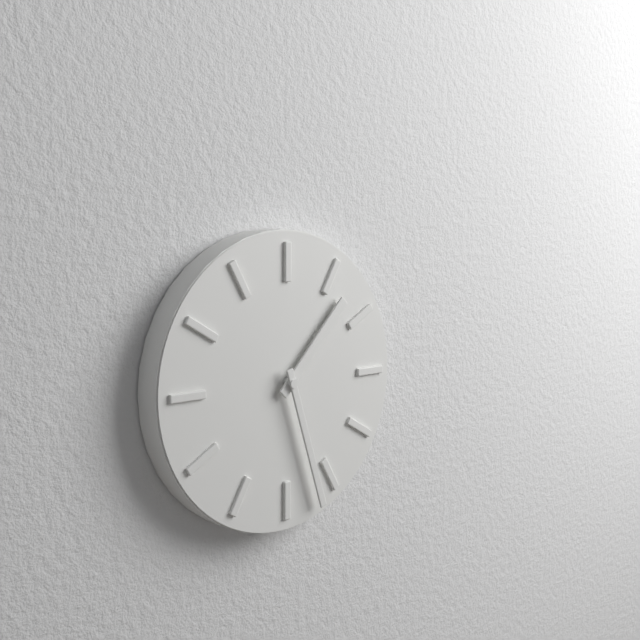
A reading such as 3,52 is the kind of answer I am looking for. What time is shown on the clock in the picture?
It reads 1,27
